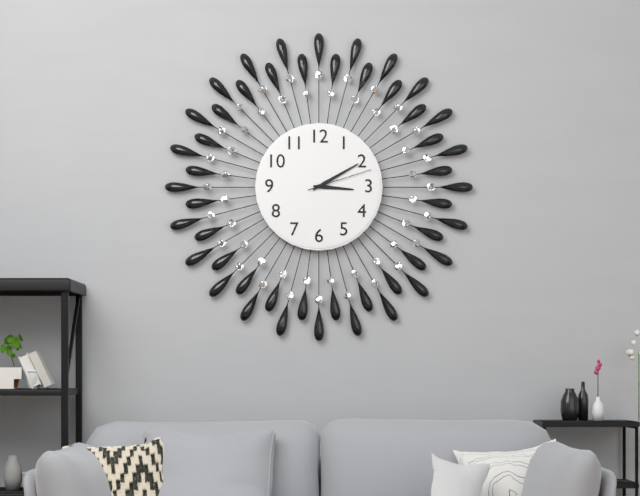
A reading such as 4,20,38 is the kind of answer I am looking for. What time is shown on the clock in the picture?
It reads 3,10,12
